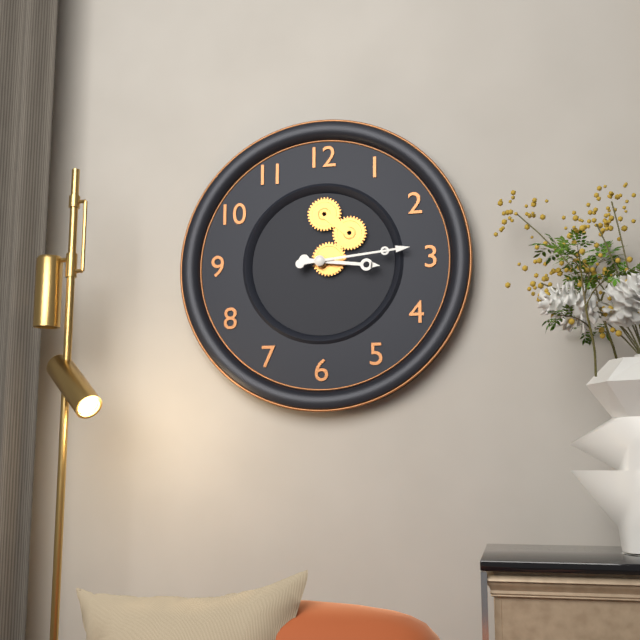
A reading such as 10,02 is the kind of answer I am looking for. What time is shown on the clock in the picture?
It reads 3,14
